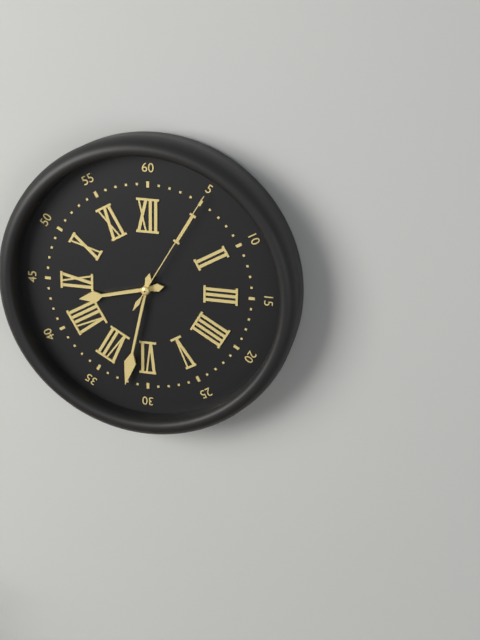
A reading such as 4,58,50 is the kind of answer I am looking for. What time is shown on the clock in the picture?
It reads 8,32,05
